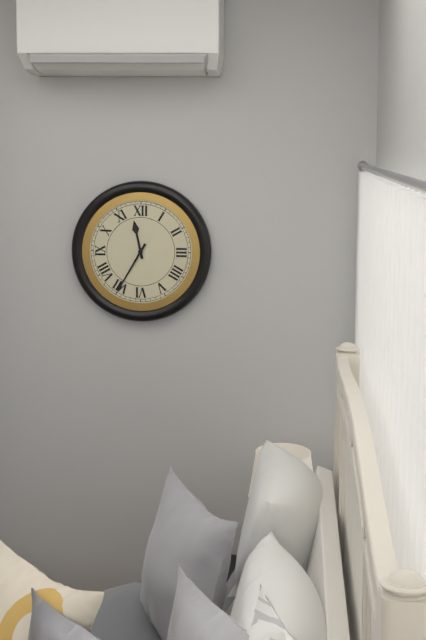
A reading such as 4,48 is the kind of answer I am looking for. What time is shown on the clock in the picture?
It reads 11,35
